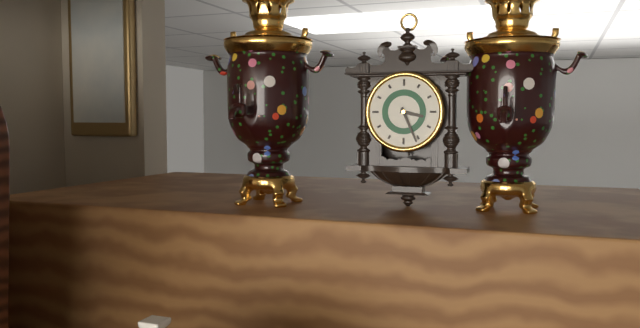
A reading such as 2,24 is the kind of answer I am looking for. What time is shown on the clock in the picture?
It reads 3,26
